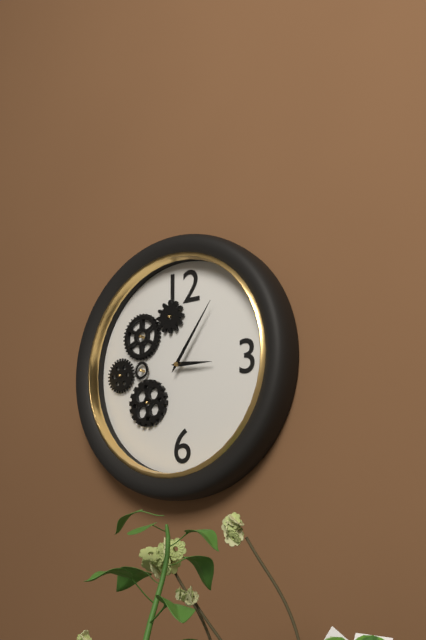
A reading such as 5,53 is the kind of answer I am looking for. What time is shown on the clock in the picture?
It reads 3,06
